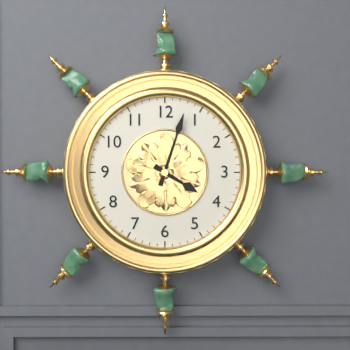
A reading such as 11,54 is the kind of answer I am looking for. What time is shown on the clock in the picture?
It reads 4,03
